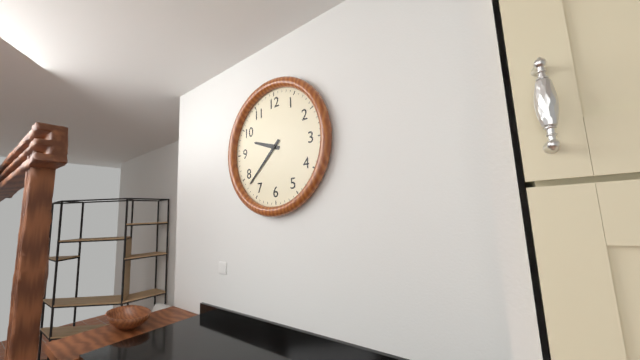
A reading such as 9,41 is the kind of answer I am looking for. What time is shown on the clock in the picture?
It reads 9,38
